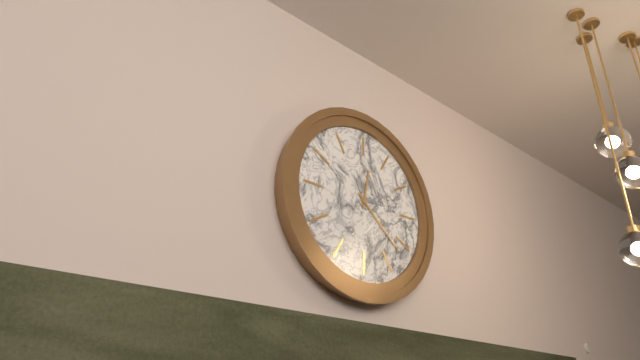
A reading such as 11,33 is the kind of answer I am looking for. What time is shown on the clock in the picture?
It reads 12,22
